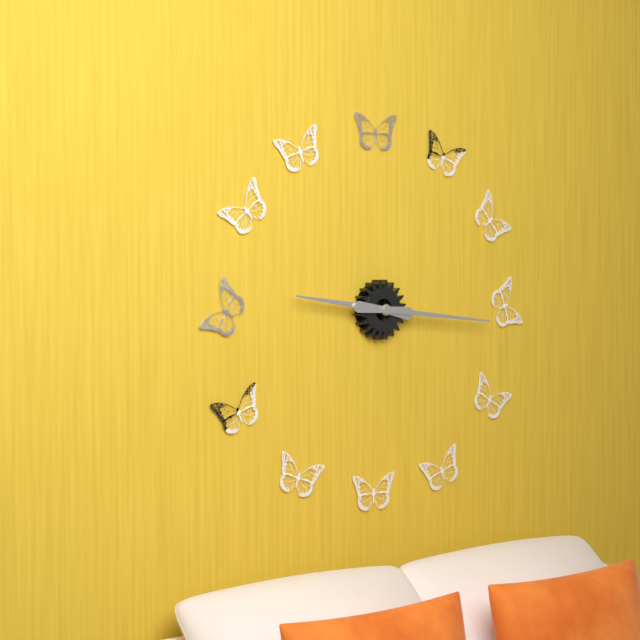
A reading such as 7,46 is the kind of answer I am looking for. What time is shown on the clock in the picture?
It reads 9,16
